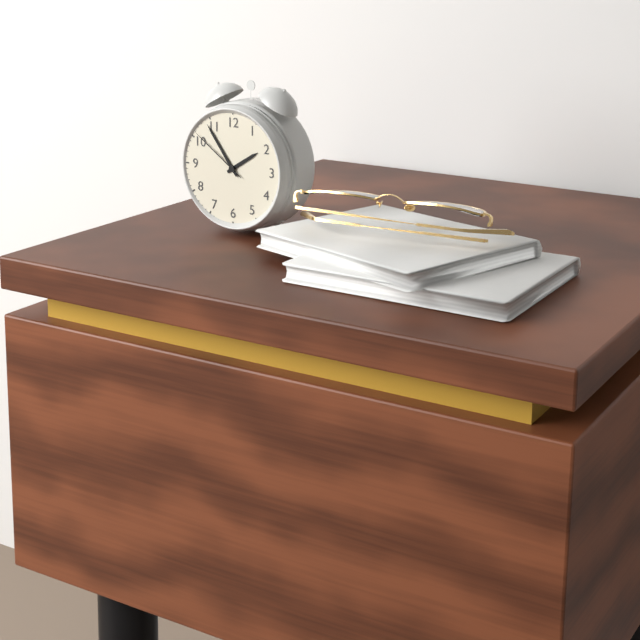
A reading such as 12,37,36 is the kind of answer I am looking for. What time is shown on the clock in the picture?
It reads 1,54,51
